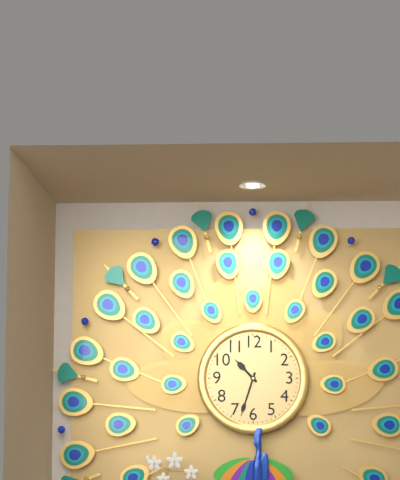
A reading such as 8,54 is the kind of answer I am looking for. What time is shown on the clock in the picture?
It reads 10,33
